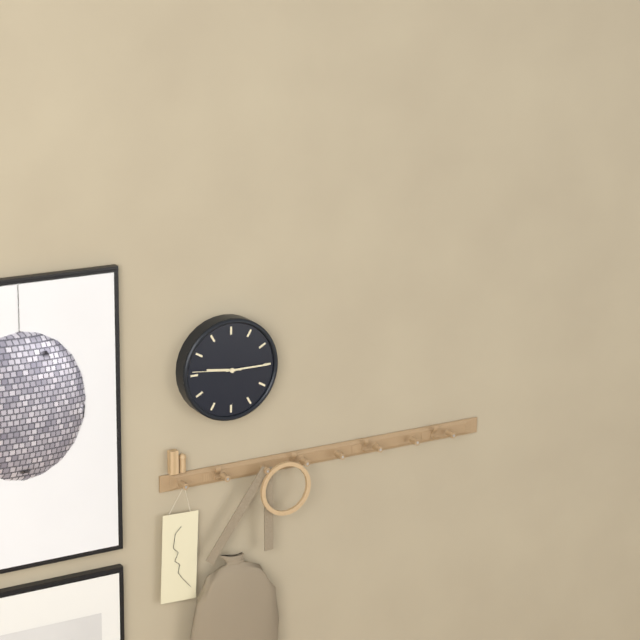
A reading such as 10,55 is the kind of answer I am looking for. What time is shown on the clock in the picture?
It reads 9,15
